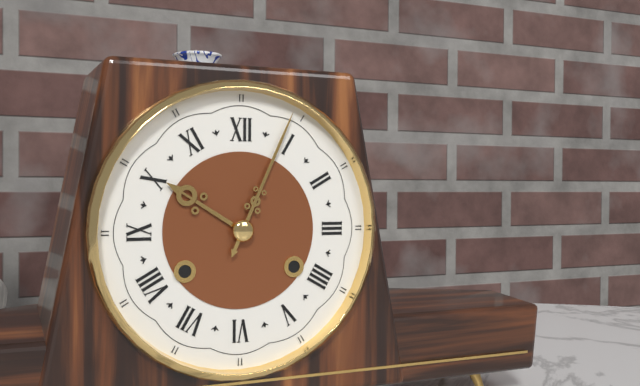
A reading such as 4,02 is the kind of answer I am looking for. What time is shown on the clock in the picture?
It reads 10,04
